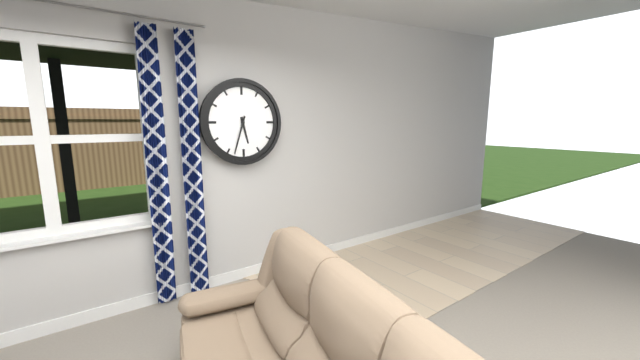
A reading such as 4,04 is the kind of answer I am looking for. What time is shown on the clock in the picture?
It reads 5,33
